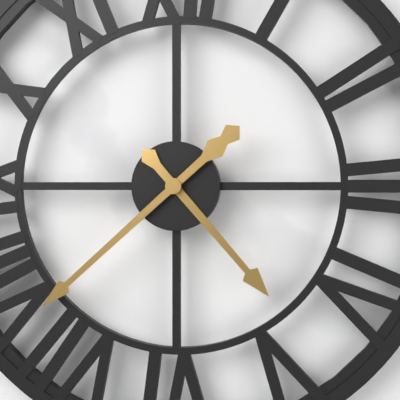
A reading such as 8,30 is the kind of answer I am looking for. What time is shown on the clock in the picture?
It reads 4,38
